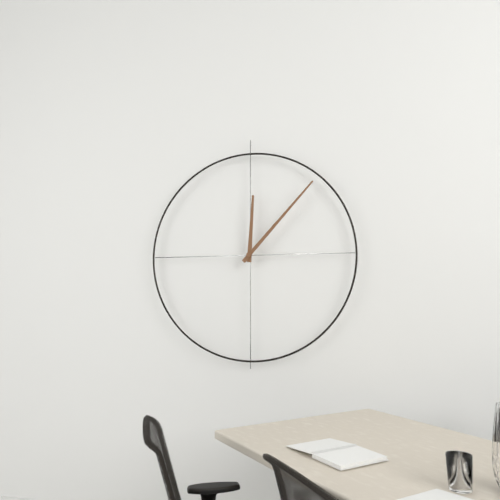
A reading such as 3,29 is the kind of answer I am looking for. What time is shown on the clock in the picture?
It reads 12,07
